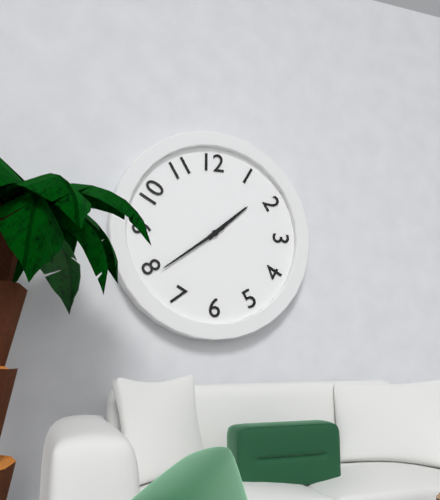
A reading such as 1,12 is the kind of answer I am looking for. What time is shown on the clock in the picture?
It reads 1,39
